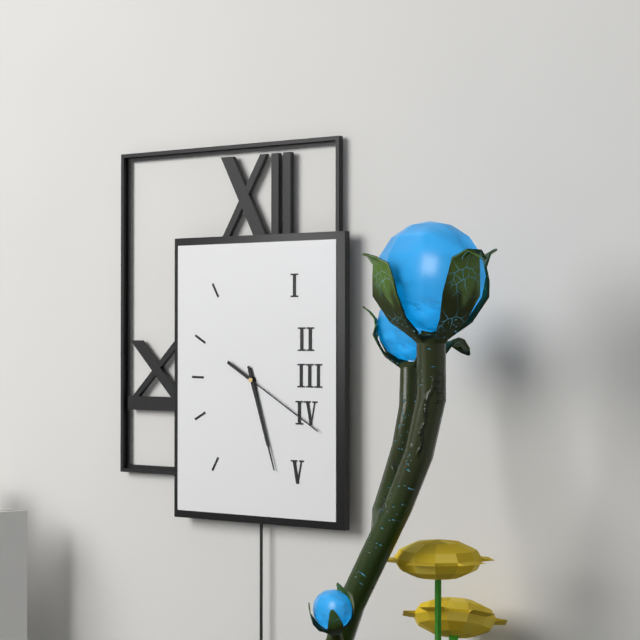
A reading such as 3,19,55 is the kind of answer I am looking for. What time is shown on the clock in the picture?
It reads 5,27,20
